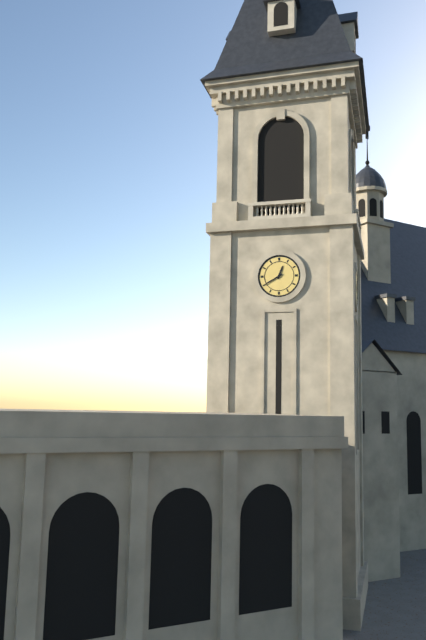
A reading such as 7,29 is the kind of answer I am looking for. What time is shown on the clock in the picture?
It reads 12,40
